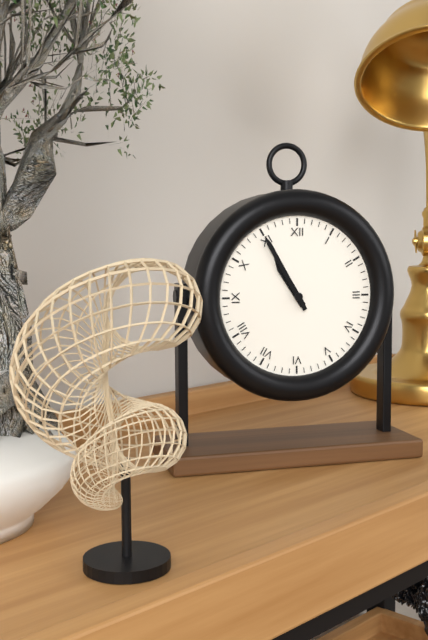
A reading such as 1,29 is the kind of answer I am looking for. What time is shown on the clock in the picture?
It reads 10,55
